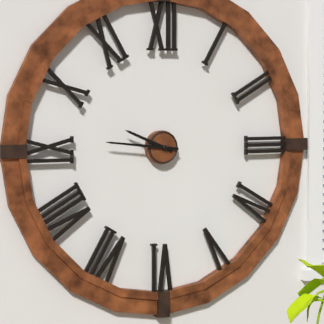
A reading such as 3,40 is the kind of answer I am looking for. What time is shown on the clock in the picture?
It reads 9,46
